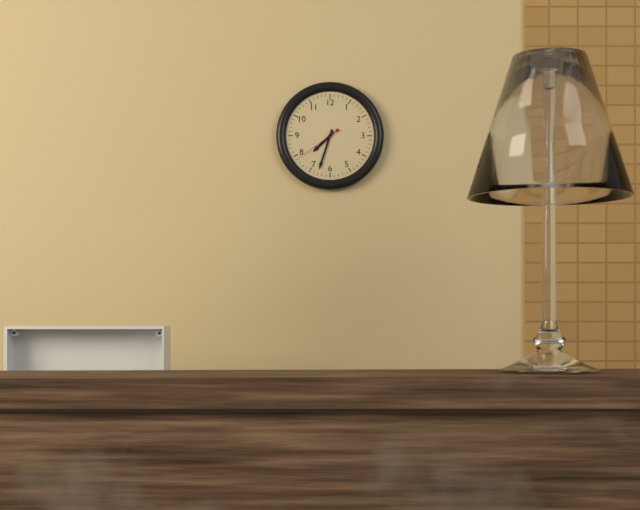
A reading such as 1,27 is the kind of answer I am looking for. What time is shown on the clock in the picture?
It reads 7,33
